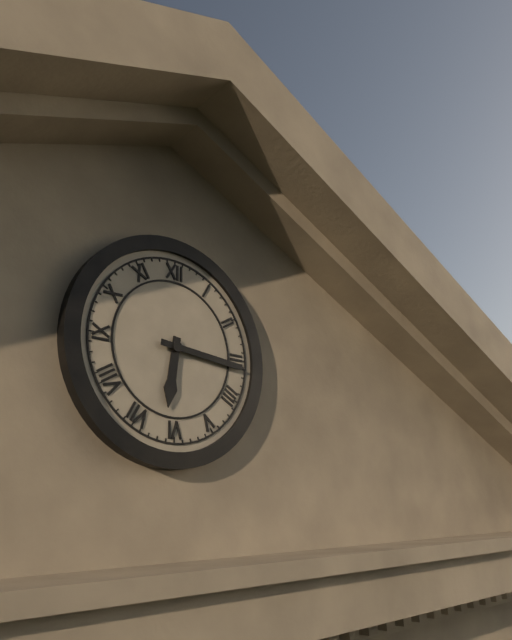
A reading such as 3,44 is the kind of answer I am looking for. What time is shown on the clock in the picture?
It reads 6,16
